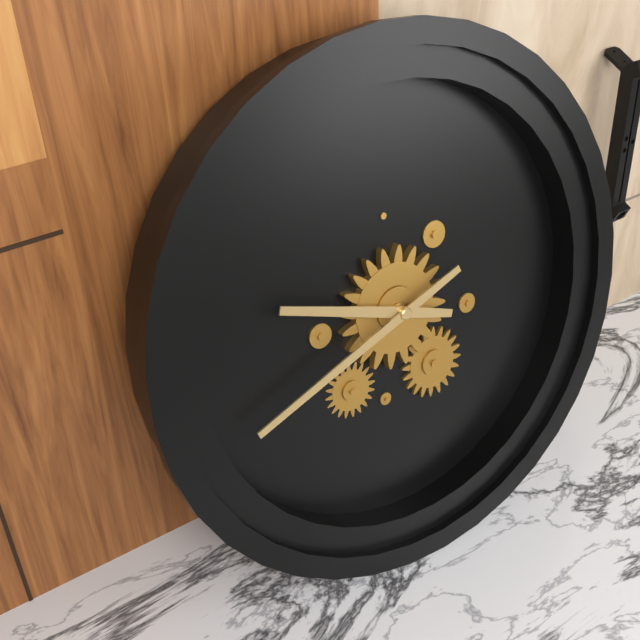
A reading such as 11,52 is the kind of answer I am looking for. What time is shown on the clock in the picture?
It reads 9,42
